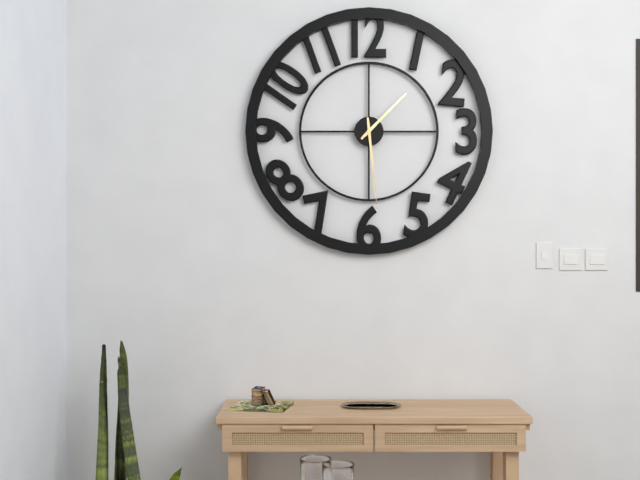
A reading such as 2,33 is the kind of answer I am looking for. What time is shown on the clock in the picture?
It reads 1,29
